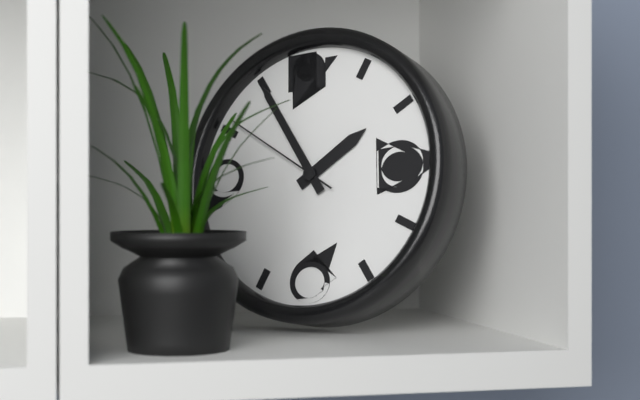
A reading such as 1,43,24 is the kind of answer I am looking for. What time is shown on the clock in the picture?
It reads 1,55,51
